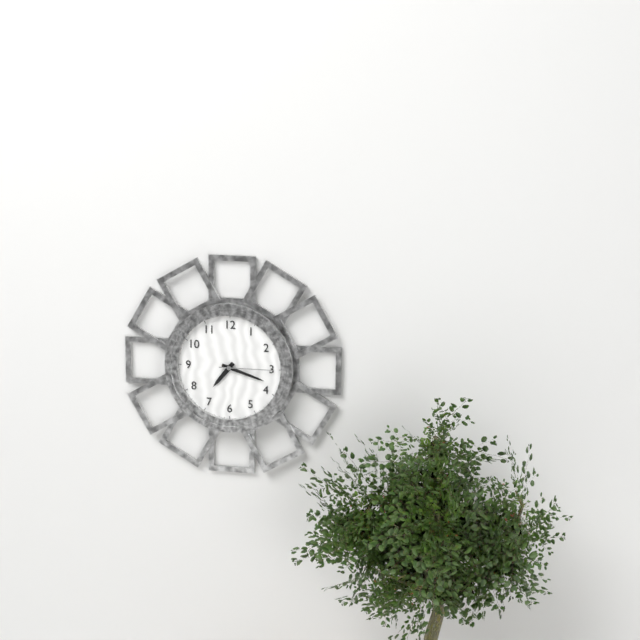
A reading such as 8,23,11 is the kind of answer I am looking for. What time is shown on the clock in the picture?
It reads 7,18,15
